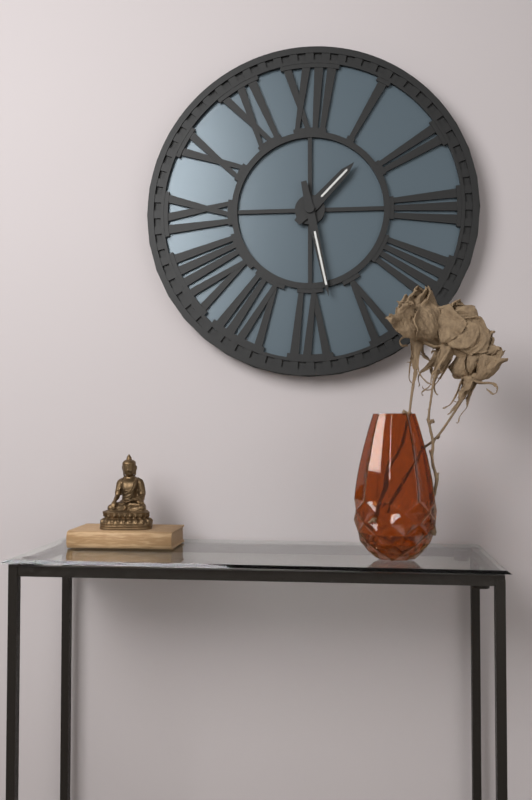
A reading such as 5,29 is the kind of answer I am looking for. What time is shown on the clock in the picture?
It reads 1,28
